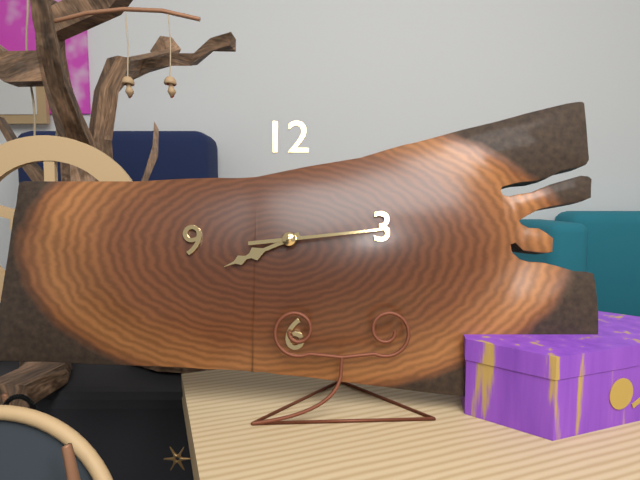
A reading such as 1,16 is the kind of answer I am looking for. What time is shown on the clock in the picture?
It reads 8,14
